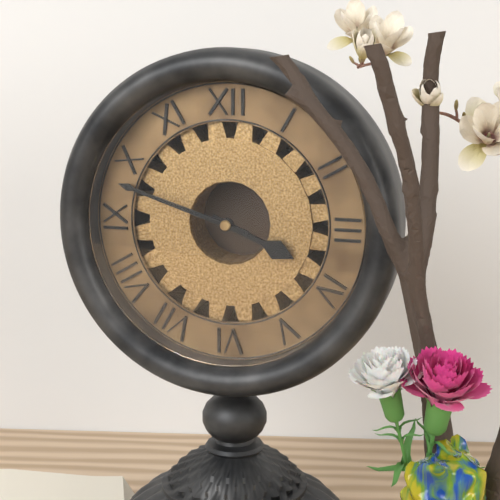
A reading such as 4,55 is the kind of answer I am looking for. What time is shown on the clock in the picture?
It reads 3,48
